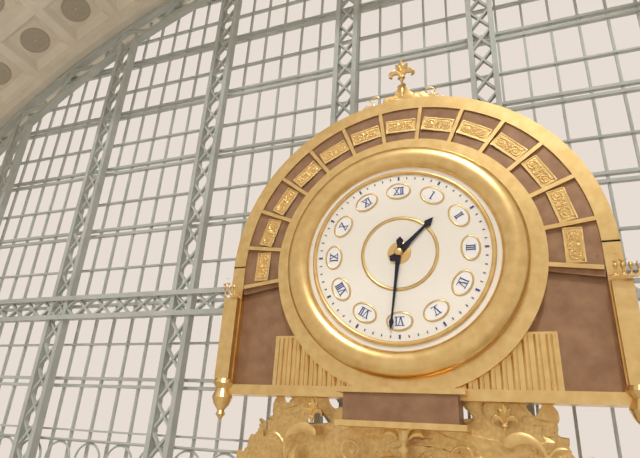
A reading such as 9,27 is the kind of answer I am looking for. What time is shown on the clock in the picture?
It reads 1,31
